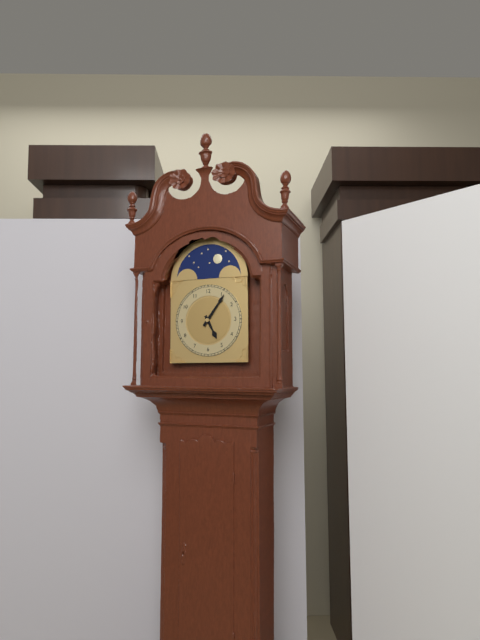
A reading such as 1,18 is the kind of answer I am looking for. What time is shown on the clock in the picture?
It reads 5,06
